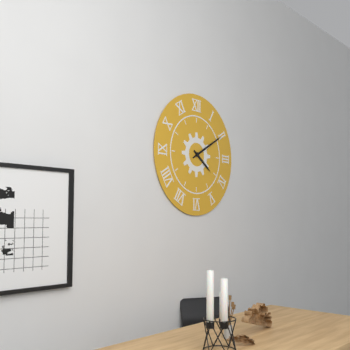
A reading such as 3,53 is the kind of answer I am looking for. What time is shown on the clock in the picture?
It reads 4,10
